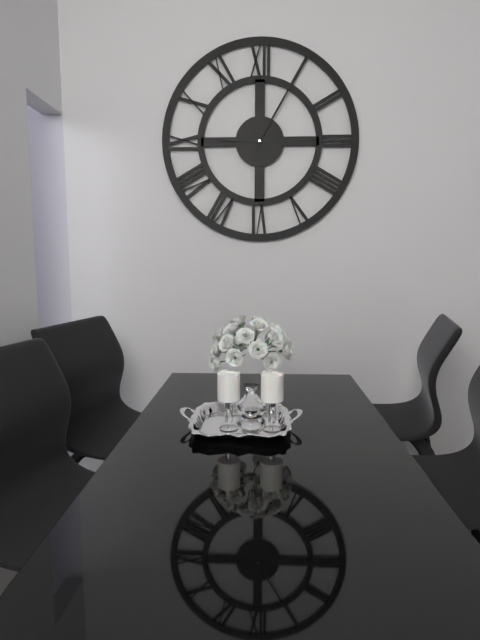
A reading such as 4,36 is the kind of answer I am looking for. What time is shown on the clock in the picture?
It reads 9,05
